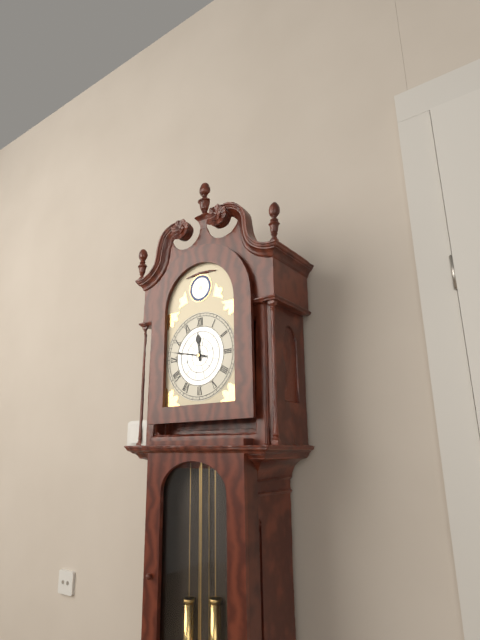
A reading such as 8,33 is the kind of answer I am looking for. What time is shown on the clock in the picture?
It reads 11,47
